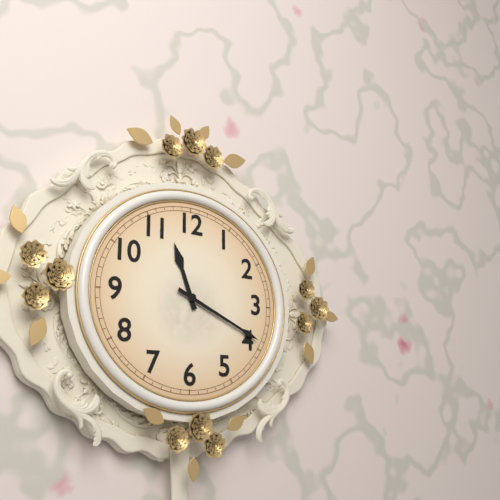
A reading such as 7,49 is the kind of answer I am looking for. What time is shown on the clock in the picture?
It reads 11,19
